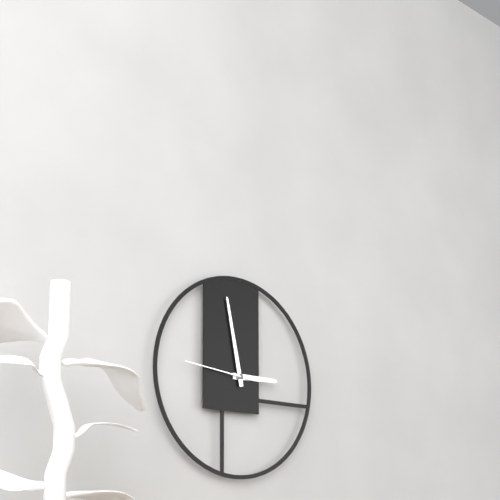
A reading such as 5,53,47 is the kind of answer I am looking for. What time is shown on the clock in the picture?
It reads 2,58,46
